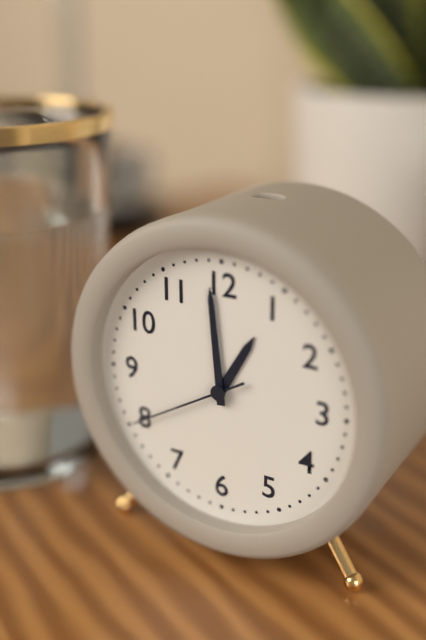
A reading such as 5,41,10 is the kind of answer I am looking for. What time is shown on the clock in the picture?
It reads 12,59,40
